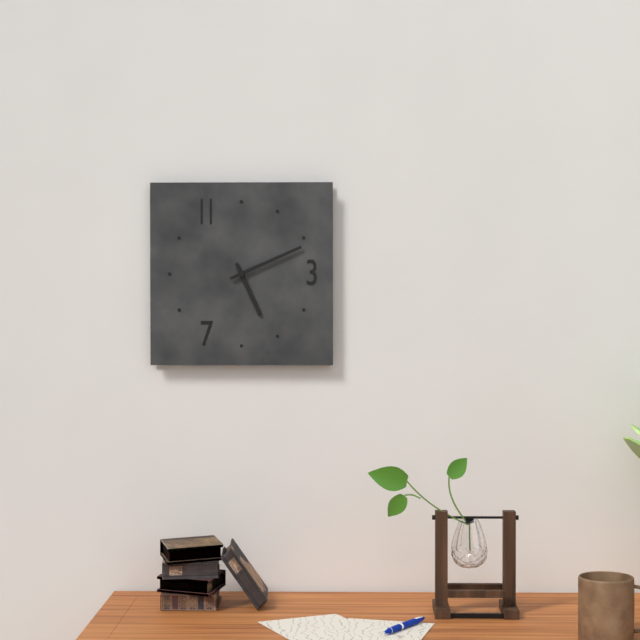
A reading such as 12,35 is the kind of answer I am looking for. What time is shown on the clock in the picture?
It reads 5,11
